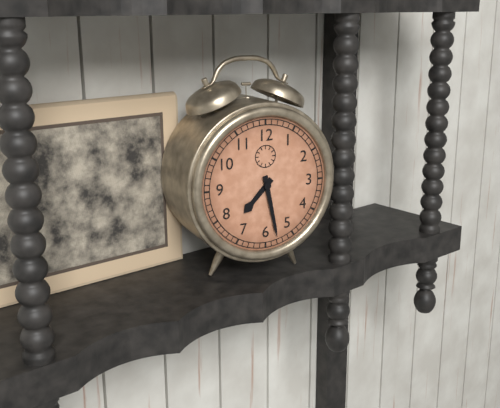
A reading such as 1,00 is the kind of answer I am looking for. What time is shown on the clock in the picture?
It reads 7,28
